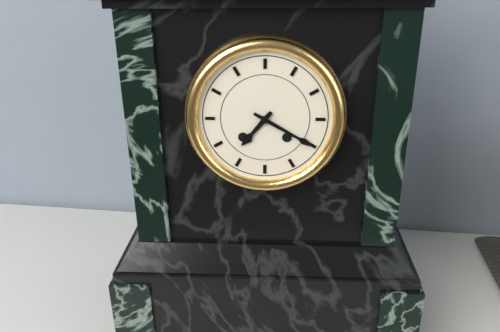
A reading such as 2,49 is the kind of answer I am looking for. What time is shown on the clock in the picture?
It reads 7,20
